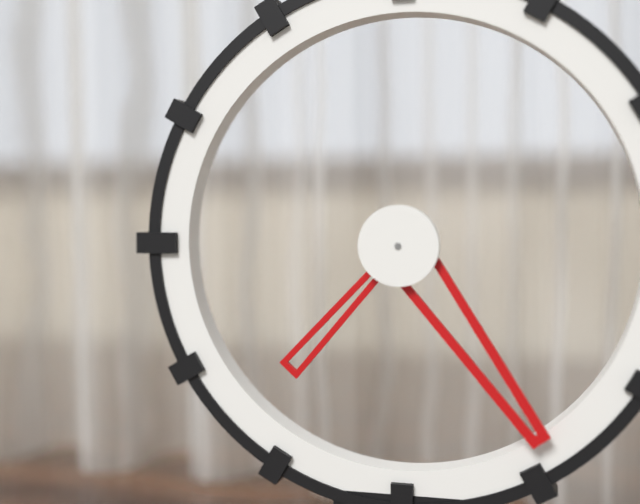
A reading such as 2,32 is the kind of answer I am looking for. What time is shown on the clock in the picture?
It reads 7,24
